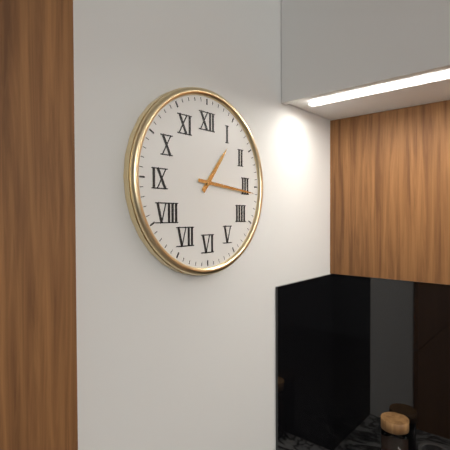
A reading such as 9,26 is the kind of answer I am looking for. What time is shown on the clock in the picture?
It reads 1,16
